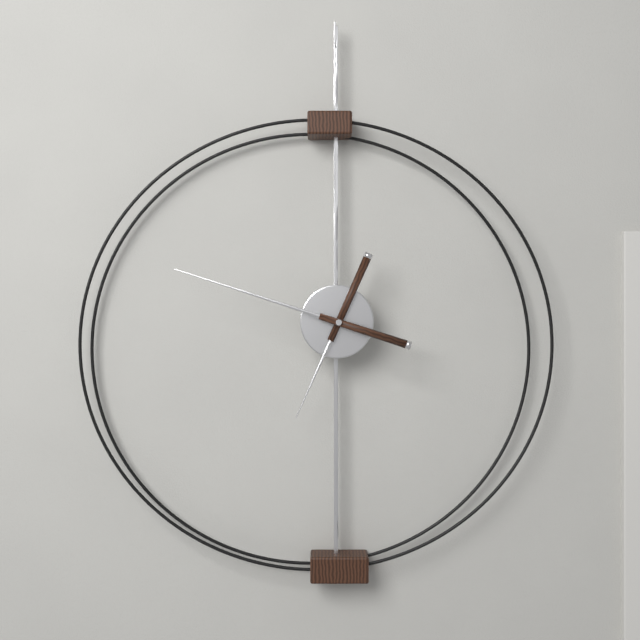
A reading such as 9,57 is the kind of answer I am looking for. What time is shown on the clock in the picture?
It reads 6,48
